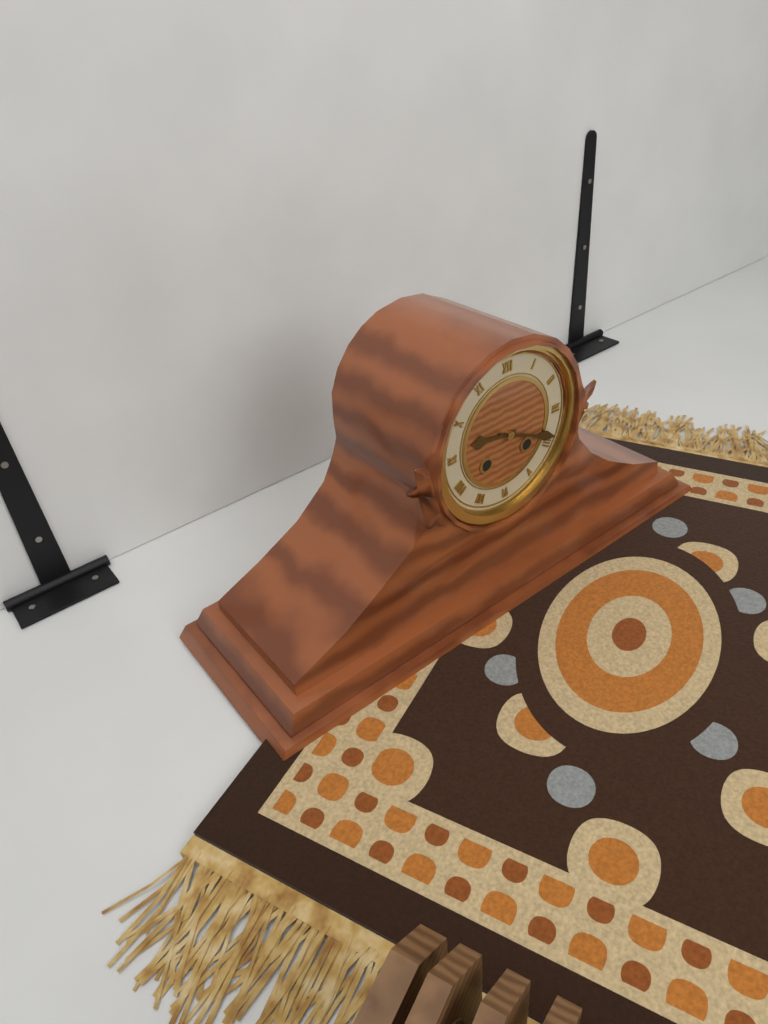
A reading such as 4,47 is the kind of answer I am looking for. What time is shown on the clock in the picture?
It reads 9,19
